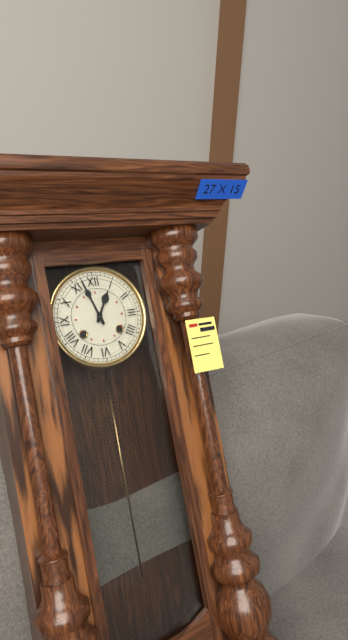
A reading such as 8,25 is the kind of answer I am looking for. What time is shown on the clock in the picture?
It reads 12,57
